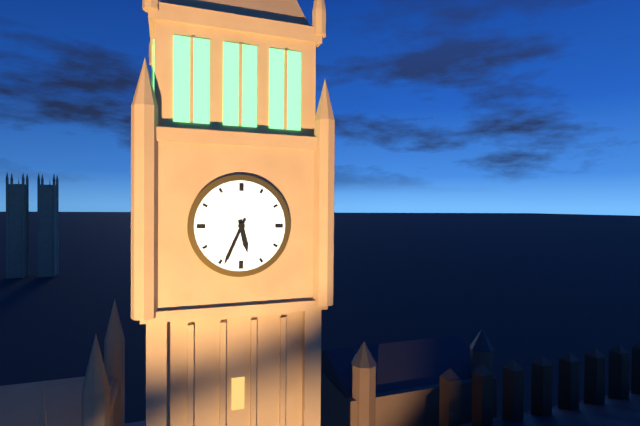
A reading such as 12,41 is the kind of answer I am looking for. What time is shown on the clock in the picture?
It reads 5,34
